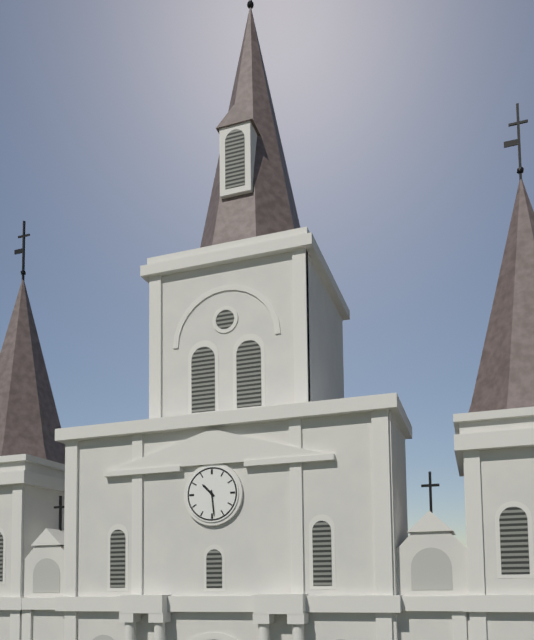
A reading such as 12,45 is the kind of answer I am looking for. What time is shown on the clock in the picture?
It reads 10,29
